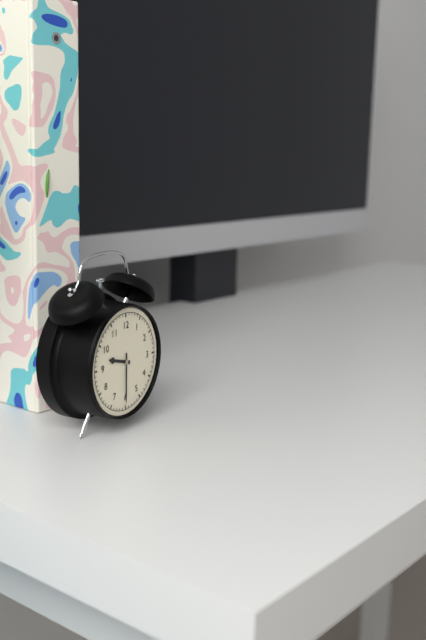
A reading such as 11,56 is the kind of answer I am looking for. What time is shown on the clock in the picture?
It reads 9,30
